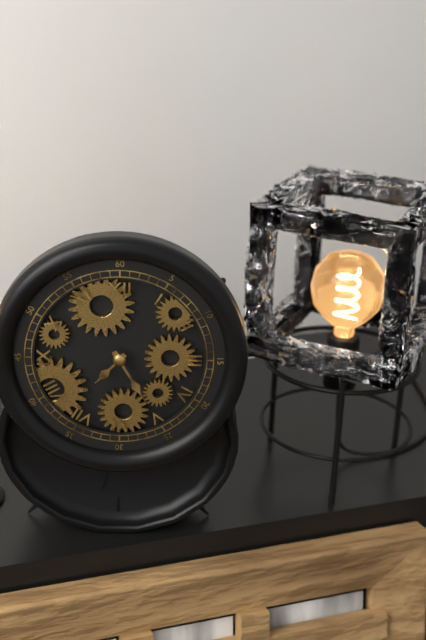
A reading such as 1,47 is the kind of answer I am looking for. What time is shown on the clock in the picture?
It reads 7,25
